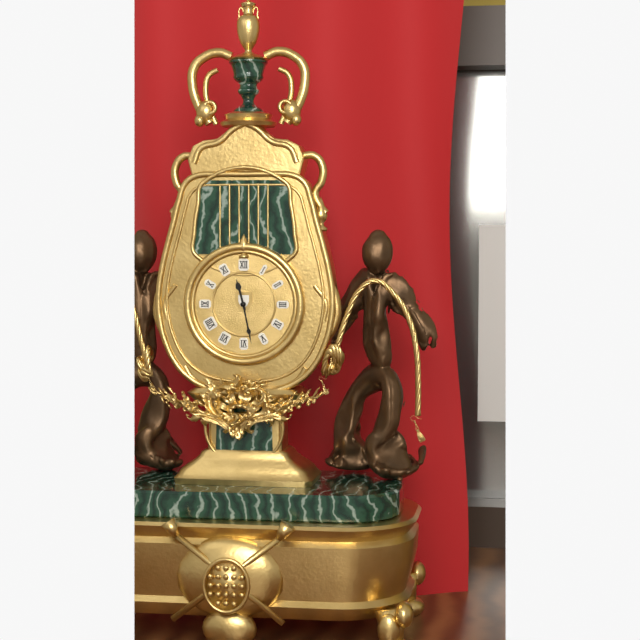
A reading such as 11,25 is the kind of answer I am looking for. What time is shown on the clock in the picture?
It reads 11,28
